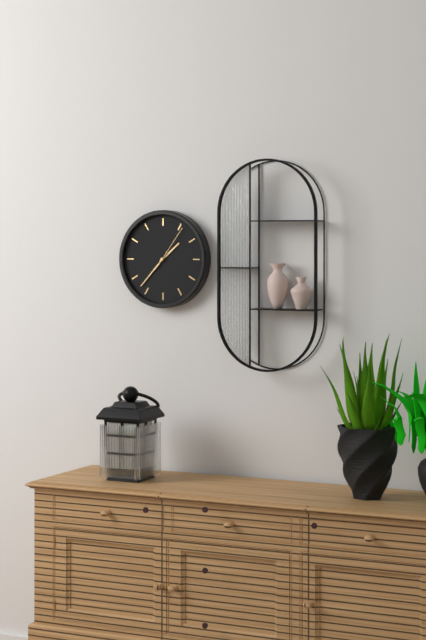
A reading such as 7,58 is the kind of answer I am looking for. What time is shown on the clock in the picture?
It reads 1,37
